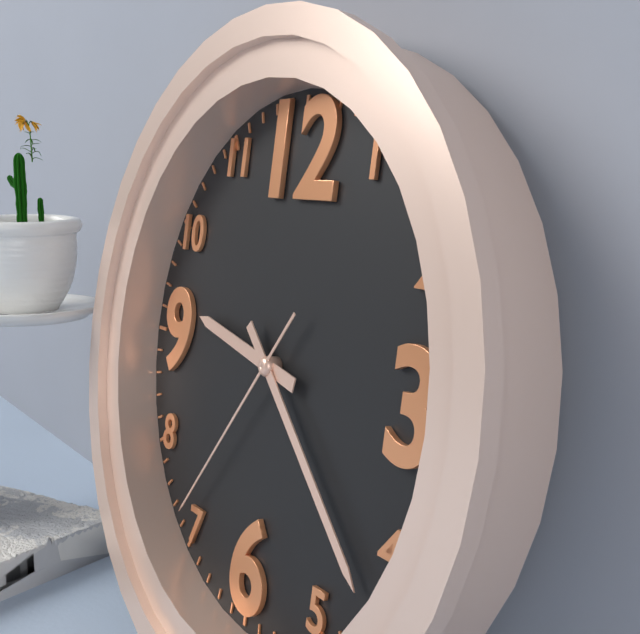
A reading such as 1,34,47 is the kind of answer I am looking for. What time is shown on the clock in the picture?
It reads 9,22,36
